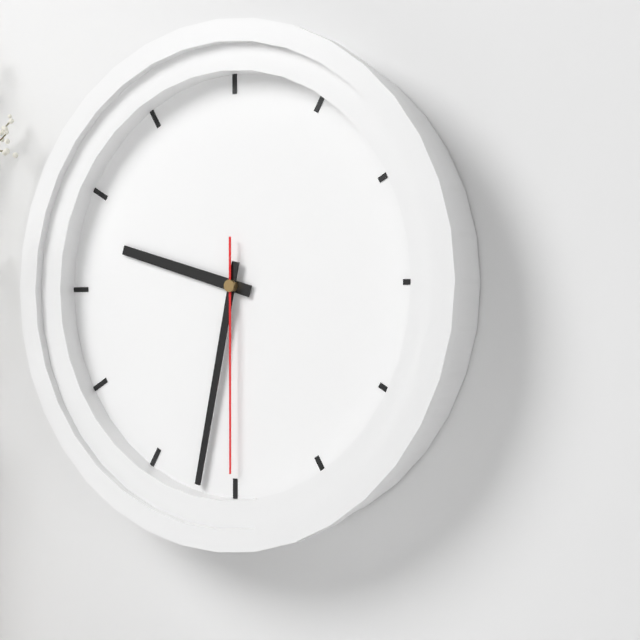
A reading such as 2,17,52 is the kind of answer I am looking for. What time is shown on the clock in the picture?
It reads 9,32,30
